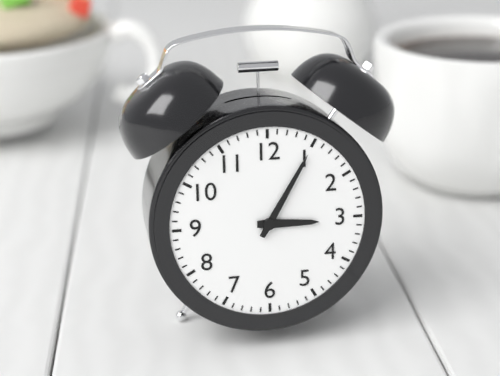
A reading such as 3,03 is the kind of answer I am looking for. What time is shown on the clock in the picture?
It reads 3,05
